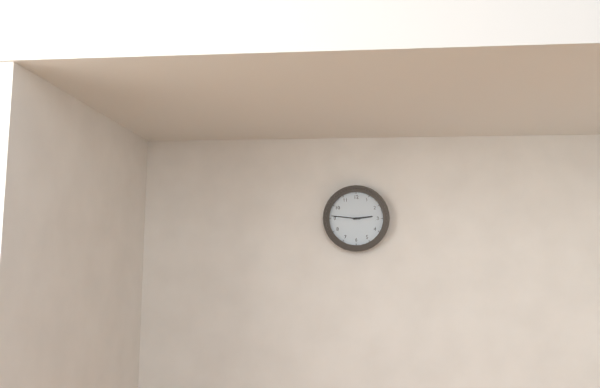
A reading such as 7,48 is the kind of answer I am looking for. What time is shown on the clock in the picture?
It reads 2,46
